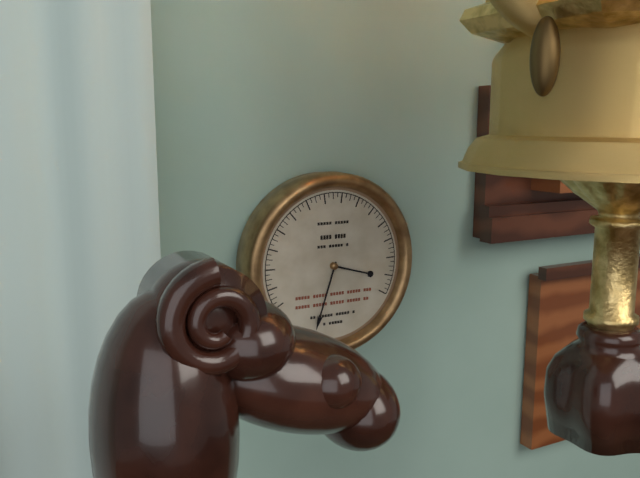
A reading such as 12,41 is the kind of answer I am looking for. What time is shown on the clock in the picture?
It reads 3,33
